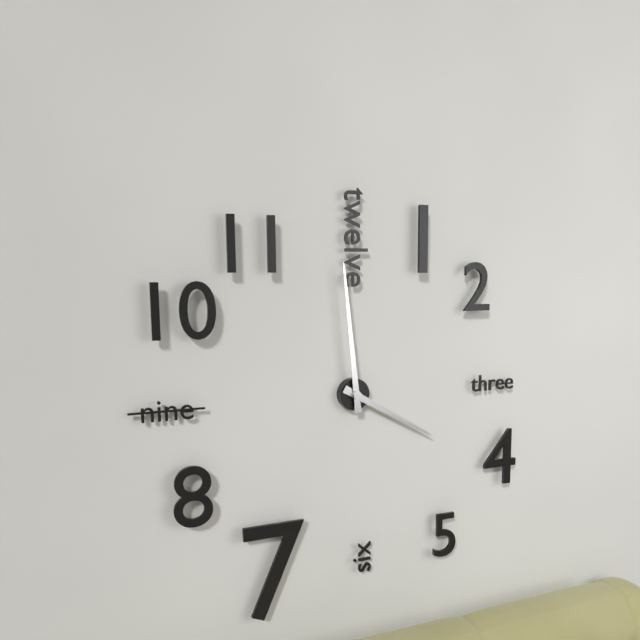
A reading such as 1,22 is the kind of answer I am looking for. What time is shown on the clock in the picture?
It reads 3,59
